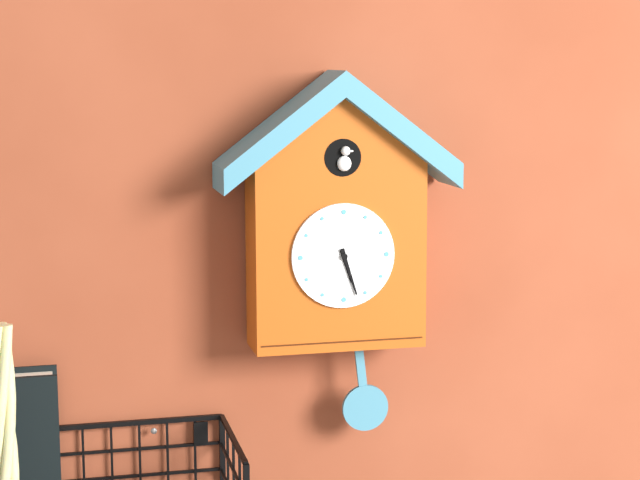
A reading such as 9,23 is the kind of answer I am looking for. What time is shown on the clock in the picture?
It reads 5,27
